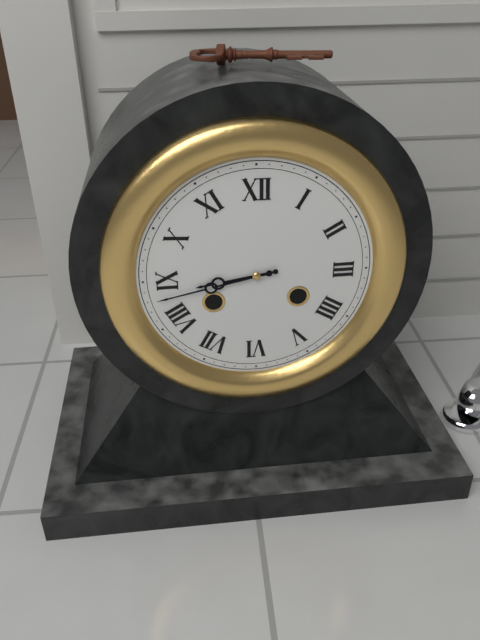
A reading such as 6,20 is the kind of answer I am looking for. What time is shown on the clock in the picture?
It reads 8,43
